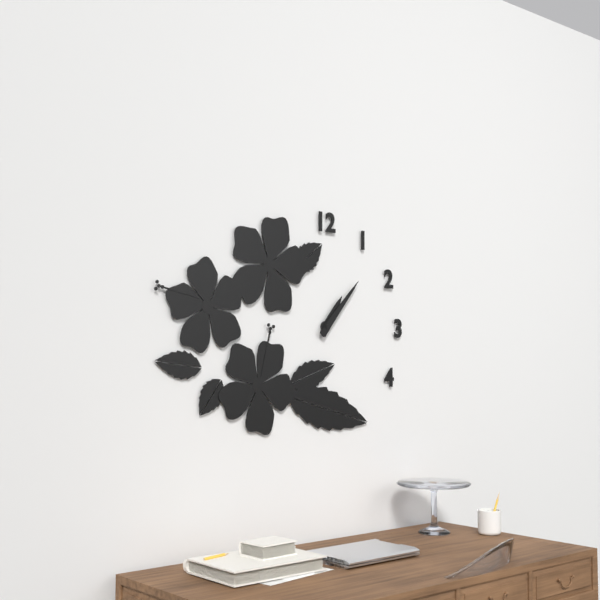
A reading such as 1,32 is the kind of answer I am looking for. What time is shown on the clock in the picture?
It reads 1,07
